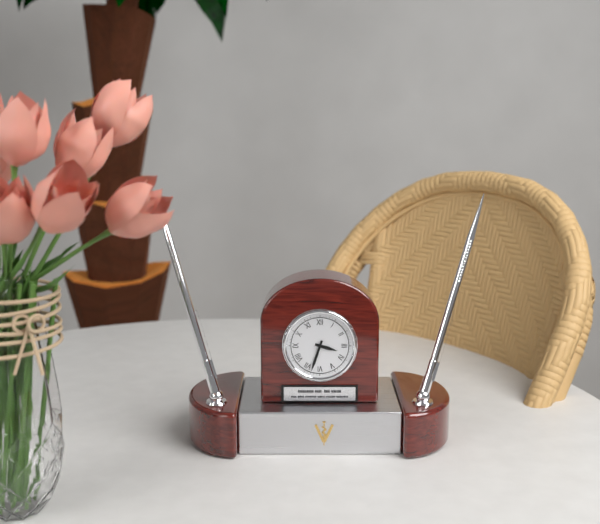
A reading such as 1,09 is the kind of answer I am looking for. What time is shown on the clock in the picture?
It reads 3,33
